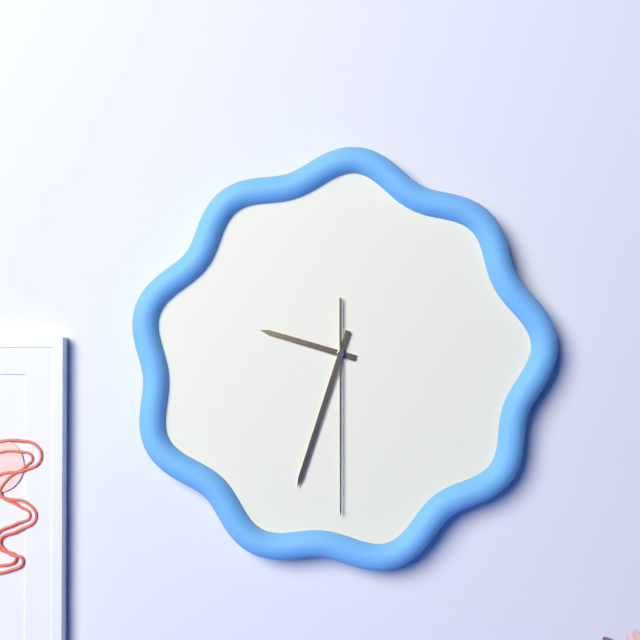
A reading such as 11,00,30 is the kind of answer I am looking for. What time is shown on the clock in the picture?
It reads 9,33,30
